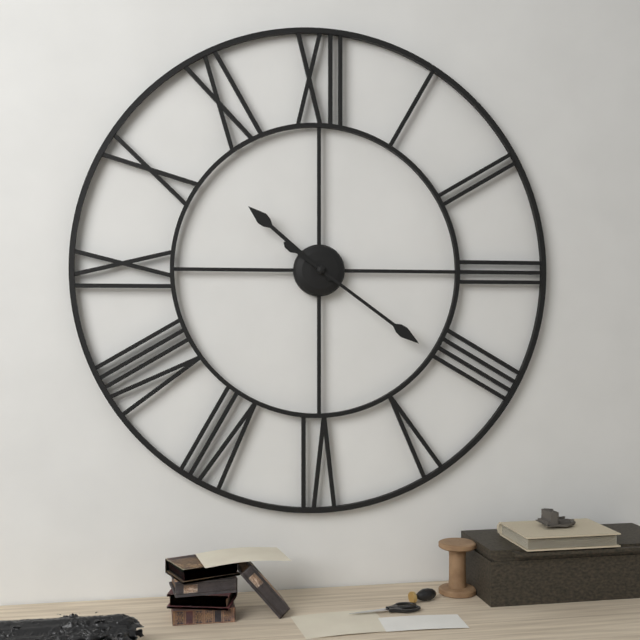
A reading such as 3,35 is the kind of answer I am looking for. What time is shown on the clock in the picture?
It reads 10,21
